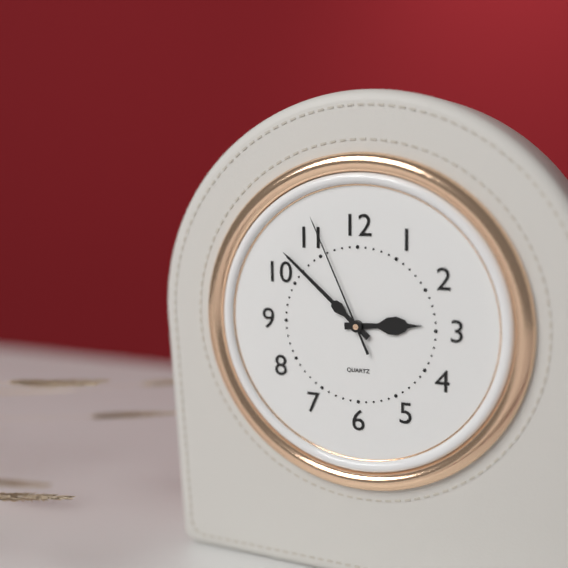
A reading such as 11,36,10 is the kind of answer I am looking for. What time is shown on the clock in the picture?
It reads 2,52,56
